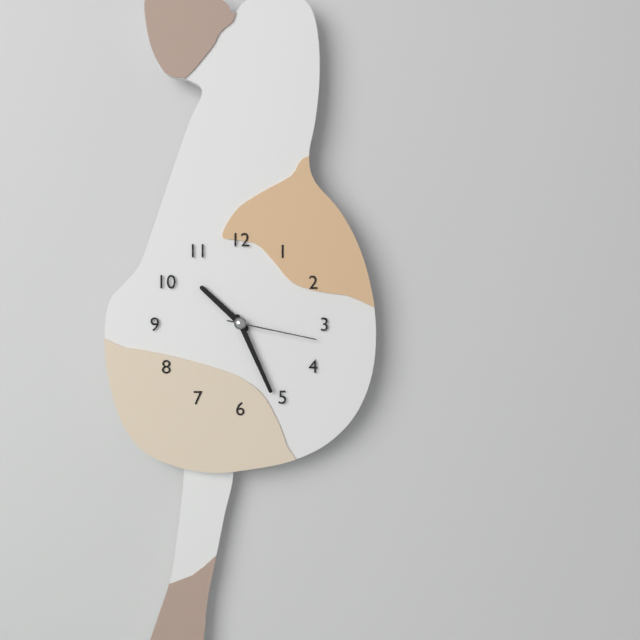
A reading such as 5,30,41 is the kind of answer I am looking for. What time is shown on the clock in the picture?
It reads 10,26,17
